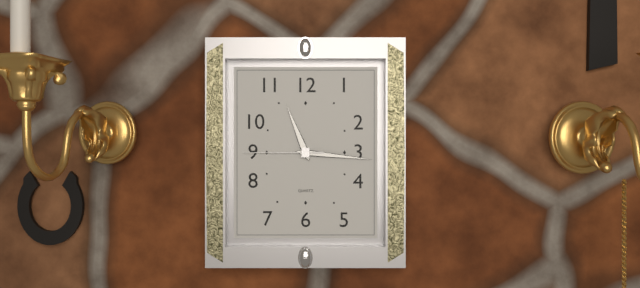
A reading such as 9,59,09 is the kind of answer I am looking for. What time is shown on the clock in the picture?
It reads 11,16,45
